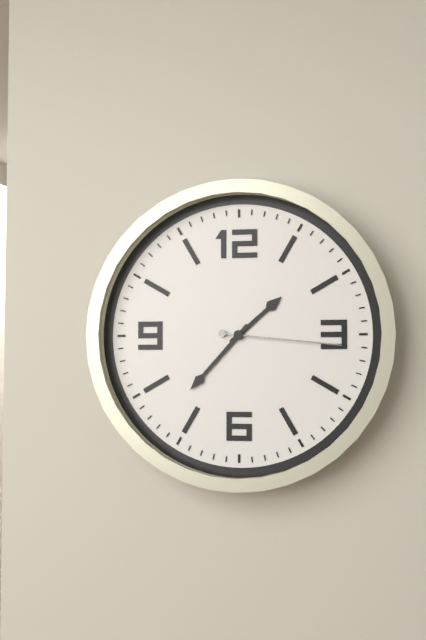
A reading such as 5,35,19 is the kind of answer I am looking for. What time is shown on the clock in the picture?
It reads 1,37,16
